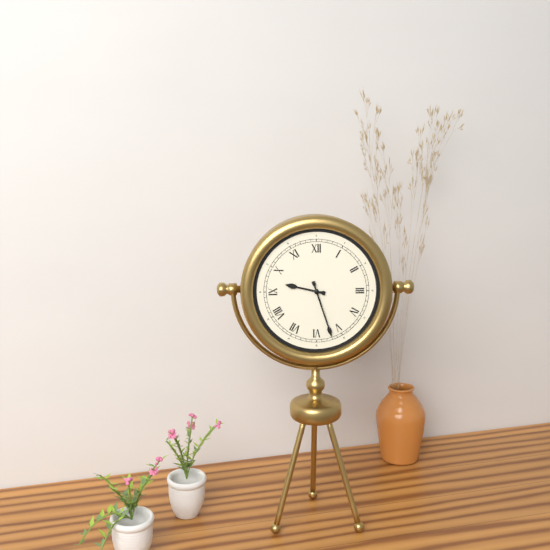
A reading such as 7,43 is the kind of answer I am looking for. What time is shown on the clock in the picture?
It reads 9,27
